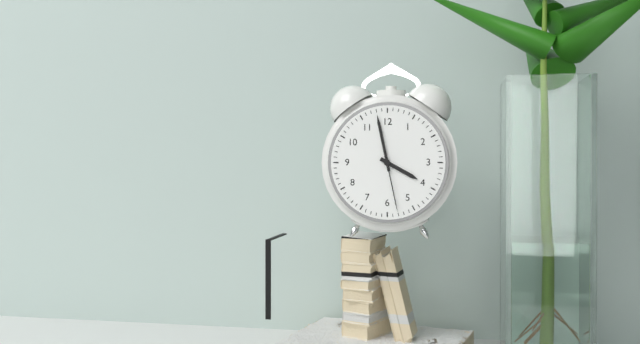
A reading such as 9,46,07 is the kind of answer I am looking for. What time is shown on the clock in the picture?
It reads 3,58,28
